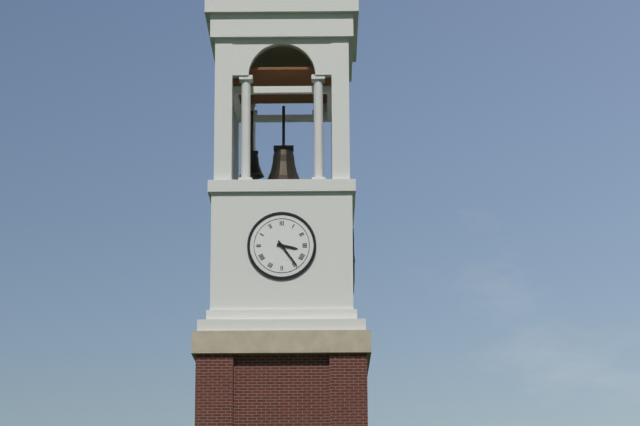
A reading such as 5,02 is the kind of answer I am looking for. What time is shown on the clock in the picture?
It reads 3,24
